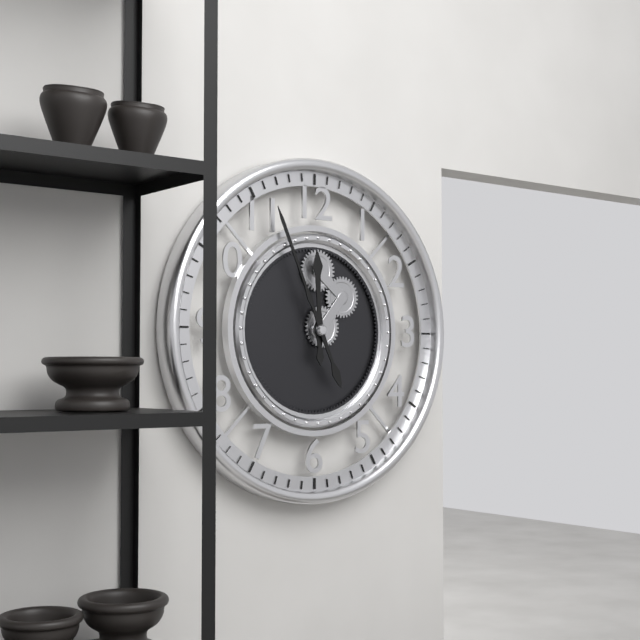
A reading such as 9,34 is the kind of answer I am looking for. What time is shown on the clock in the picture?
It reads 11,56
